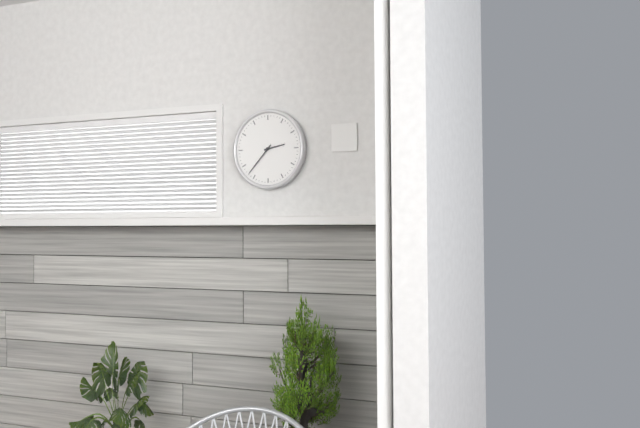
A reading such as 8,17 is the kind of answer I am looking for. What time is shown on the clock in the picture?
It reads 2,37
